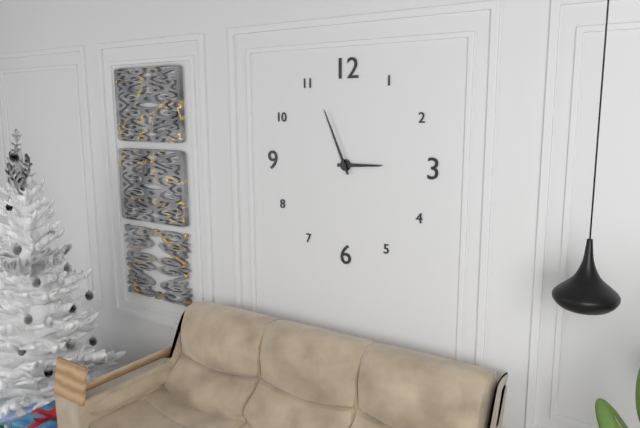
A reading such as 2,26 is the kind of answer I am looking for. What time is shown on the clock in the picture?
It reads 2,56
